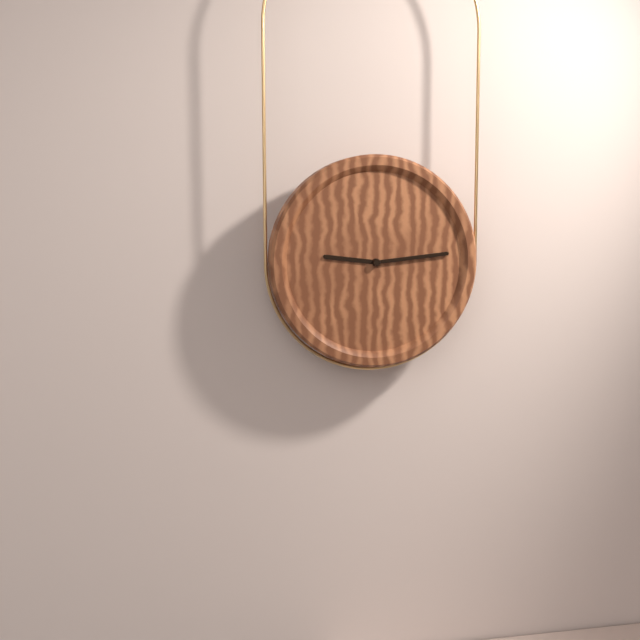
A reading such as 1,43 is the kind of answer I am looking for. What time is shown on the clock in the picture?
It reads 9,14
